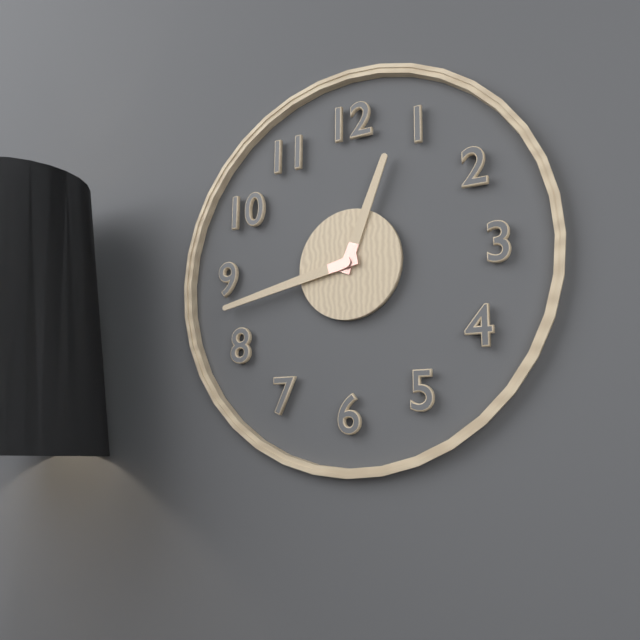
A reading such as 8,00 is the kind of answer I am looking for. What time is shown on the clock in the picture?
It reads 12,43
